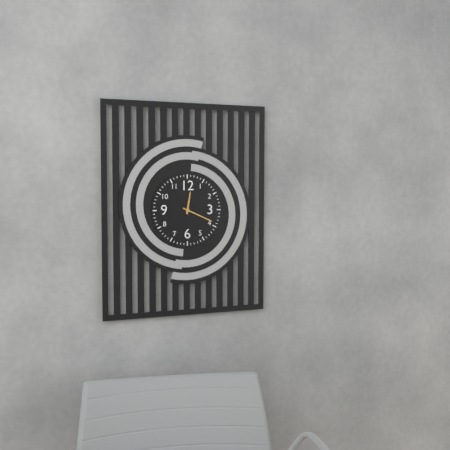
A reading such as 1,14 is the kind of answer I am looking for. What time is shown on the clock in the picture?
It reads 12,19
